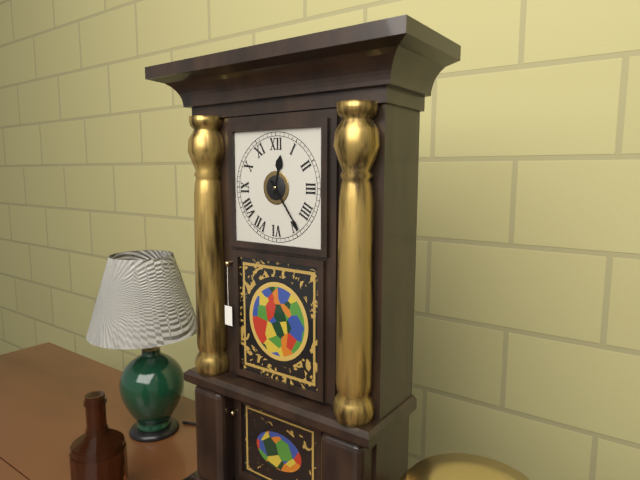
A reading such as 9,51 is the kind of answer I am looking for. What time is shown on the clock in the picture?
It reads 12,24
